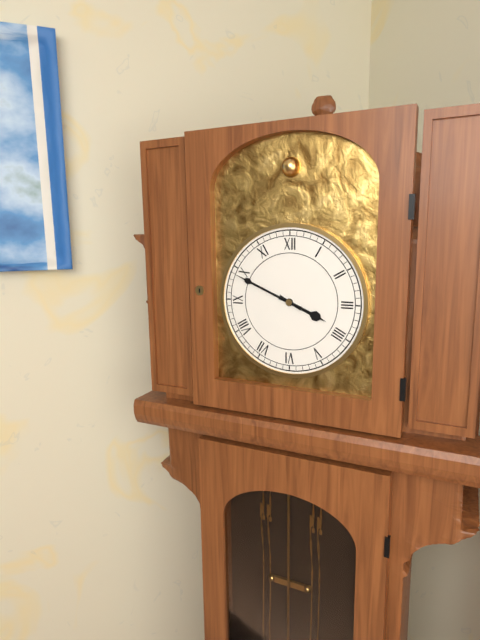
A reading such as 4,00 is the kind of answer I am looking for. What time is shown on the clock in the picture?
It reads 3,49
